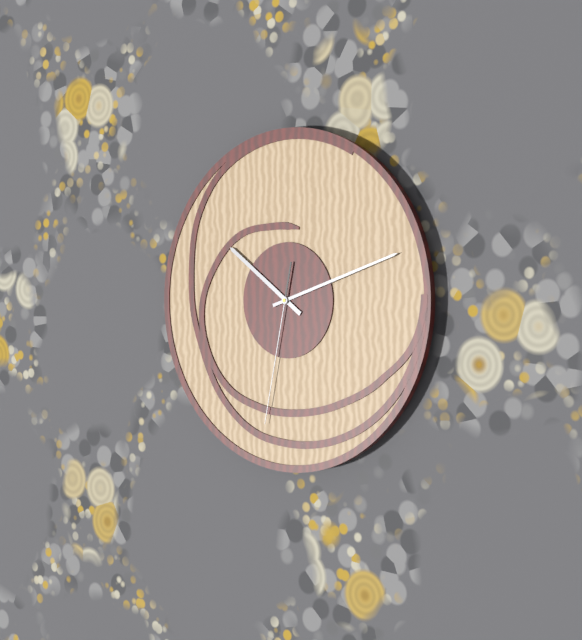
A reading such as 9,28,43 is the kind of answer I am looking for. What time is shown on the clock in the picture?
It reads 10,12,32
